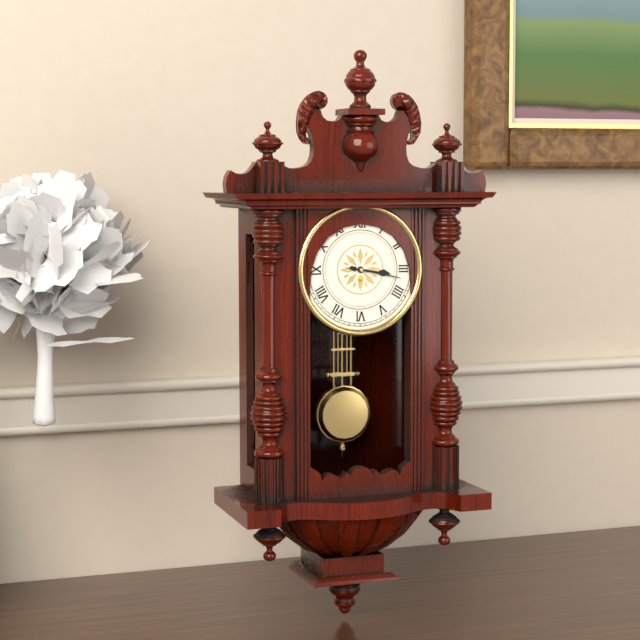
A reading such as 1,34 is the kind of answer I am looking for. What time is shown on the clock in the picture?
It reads 3,17
